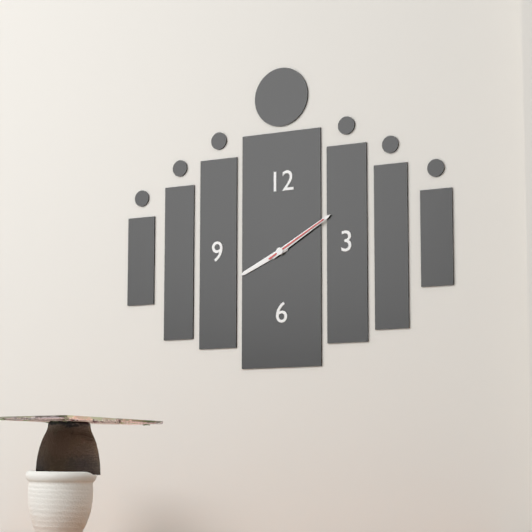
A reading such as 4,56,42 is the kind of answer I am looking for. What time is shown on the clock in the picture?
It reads 8,10,10
